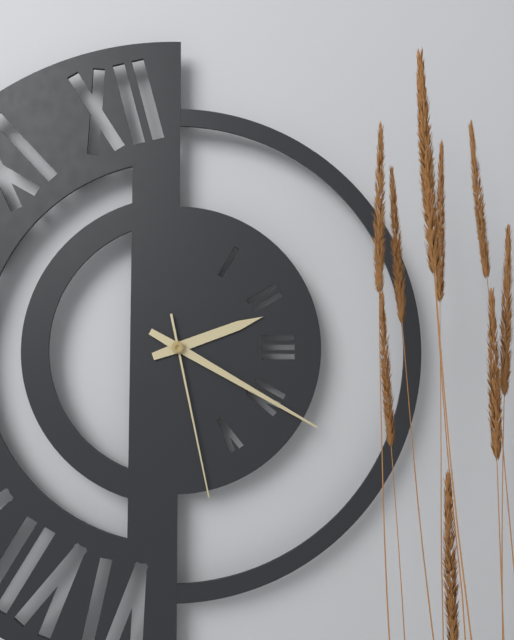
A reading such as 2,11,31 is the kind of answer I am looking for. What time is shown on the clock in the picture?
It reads 2,20,28
